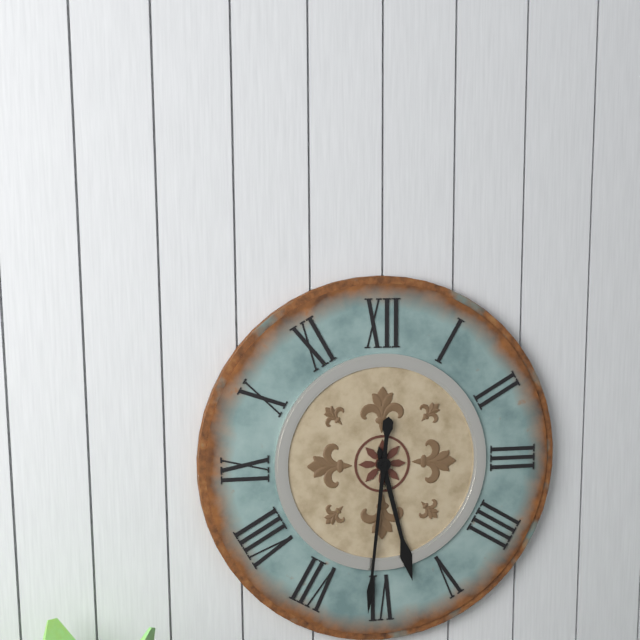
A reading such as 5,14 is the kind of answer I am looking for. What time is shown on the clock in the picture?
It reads 5,31
